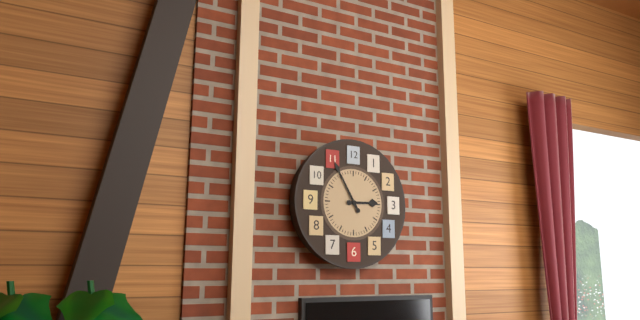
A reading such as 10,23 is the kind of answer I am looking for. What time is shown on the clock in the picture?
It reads 2,55
